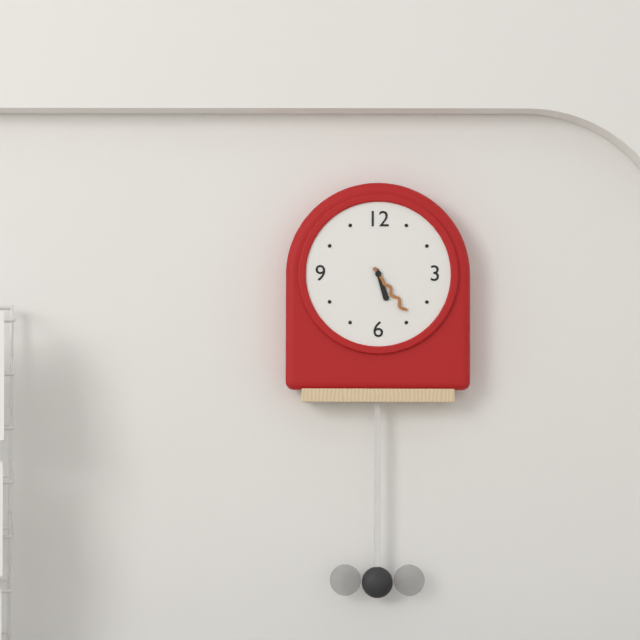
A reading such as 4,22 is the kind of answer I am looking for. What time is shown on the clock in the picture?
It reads 5,24
